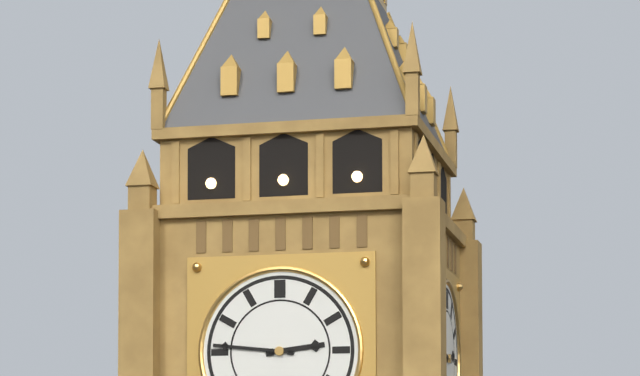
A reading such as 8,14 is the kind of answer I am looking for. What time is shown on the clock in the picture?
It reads 2,46
